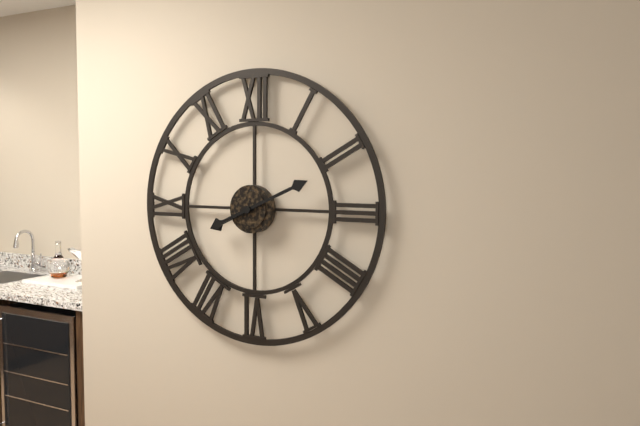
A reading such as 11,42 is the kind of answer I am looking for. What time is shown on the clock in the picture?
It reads 8,11
